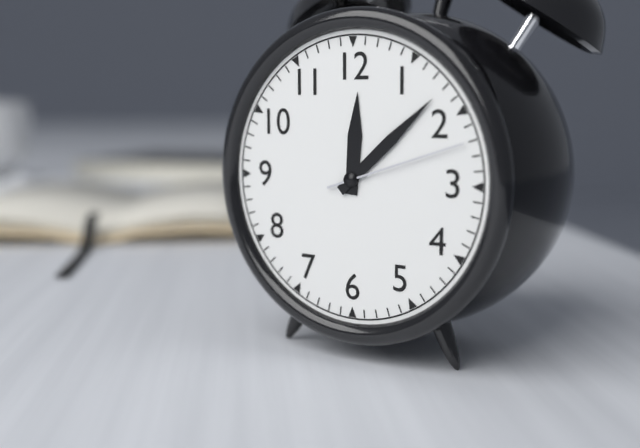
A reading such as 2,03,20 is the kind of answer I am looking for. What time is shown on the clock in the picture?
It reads 12,08,12
